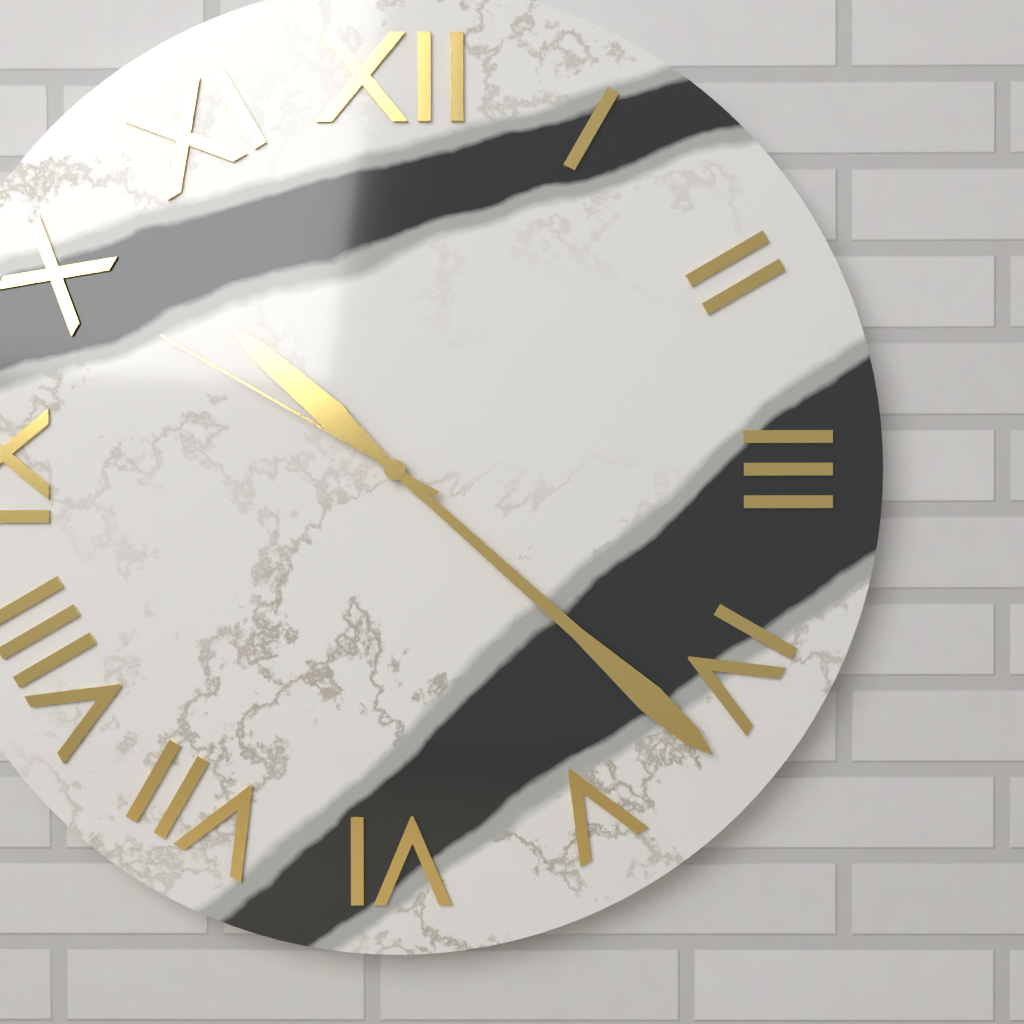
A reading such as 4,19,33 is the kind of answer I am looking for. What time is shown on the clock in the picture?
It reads 10,22,50
